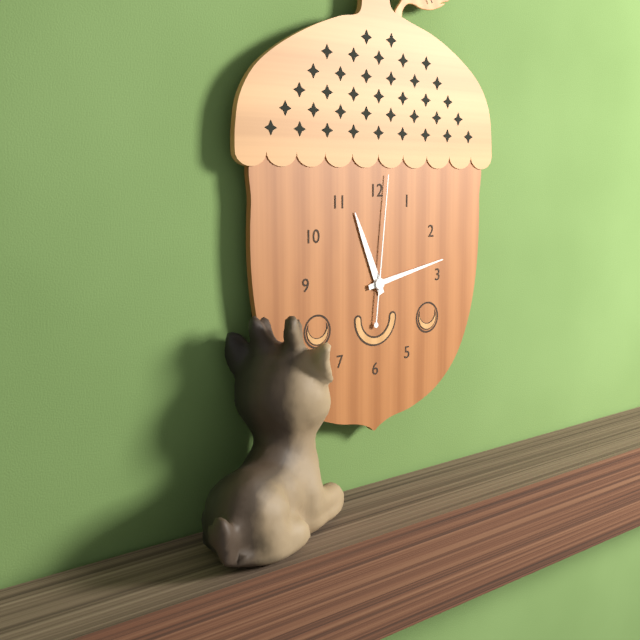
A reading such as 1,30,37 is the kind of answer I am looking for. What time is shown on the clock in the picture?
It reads 11,13,01
